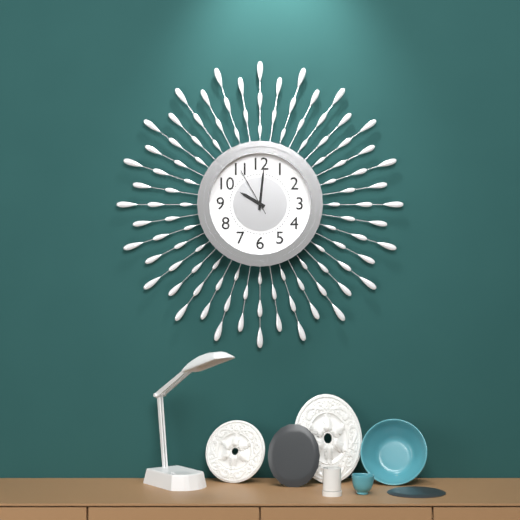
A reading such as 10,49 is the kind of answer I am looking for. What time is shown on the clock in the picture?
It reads 10,01
